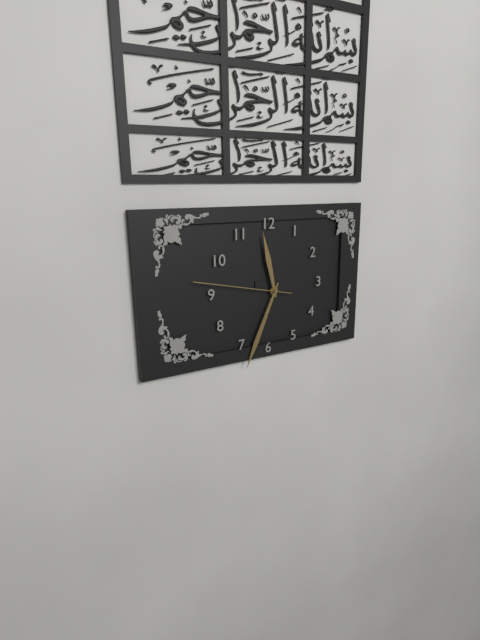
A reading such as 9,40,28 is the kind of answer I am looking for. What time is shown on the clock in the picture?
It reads 11,34,47
